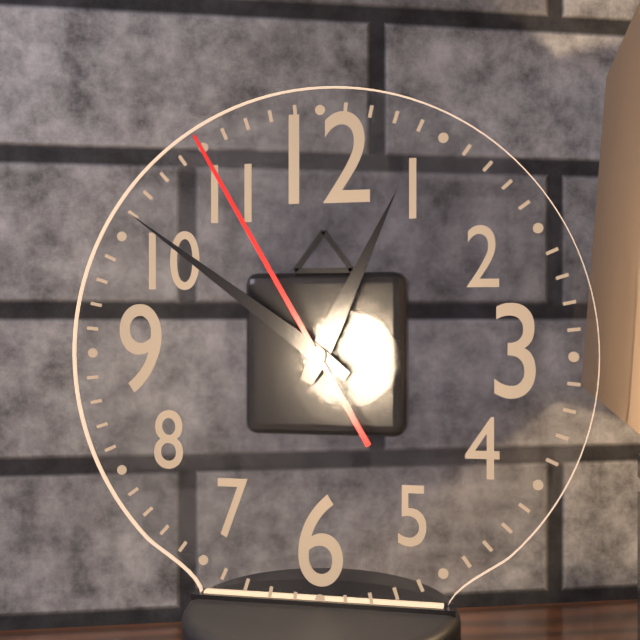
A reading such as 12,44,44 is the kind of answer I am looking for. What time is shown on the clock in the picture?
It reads 12,51,55
